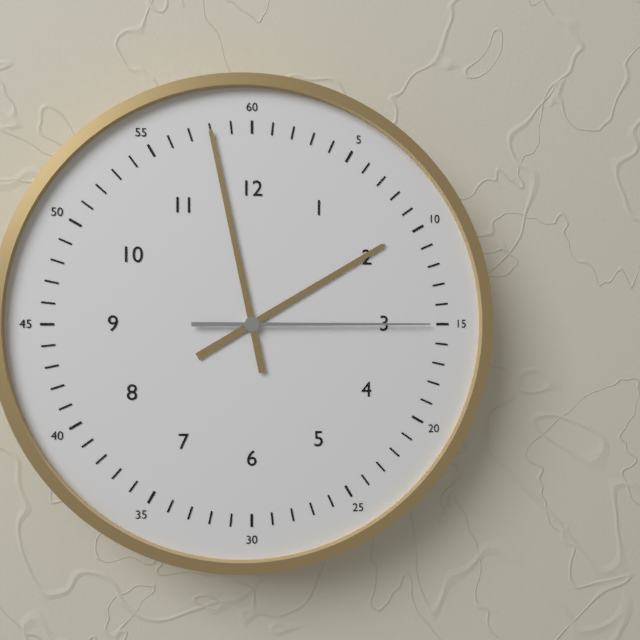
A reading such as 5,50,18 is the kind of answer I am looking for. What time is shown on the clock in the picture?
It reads 1,58,15
